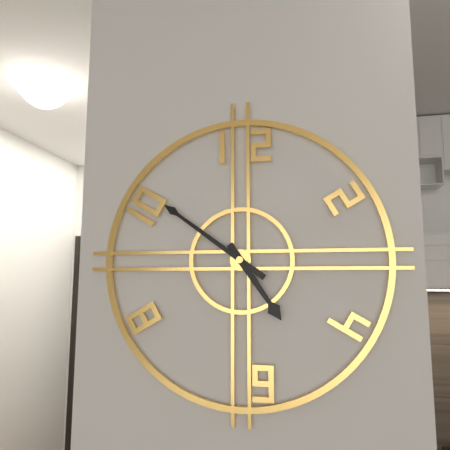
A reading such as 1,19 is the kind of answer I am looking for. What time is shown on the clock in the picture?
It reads 4,51
